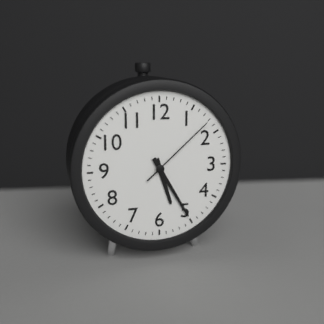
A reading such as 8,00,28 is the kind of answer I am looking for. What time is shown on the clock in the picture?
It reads 5,25,08
